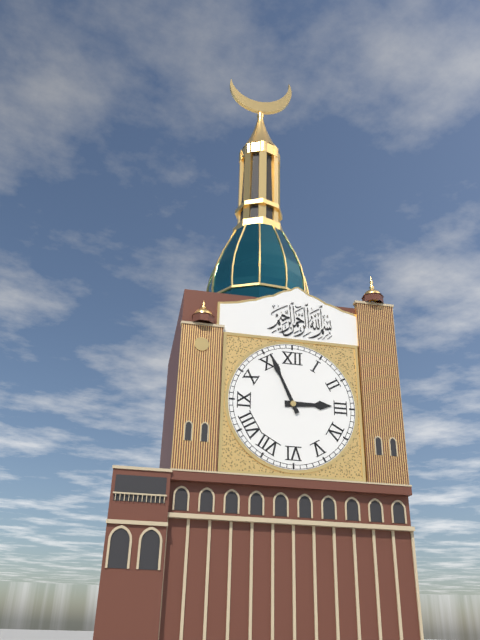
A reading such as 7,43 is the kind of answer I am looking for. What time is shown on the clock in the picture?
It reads 2,56
